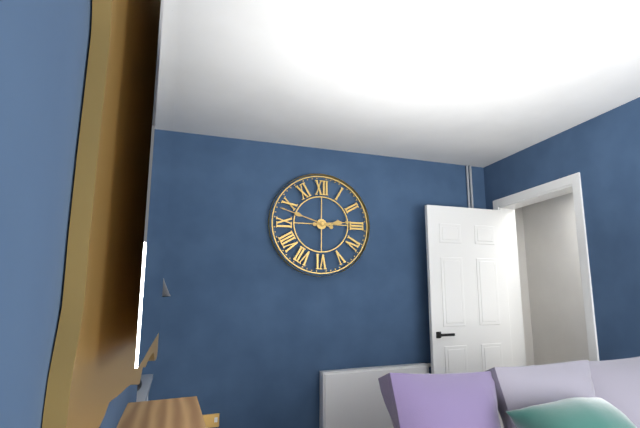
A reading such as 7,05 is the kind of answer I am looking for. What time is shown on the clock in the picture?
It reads 2,48
